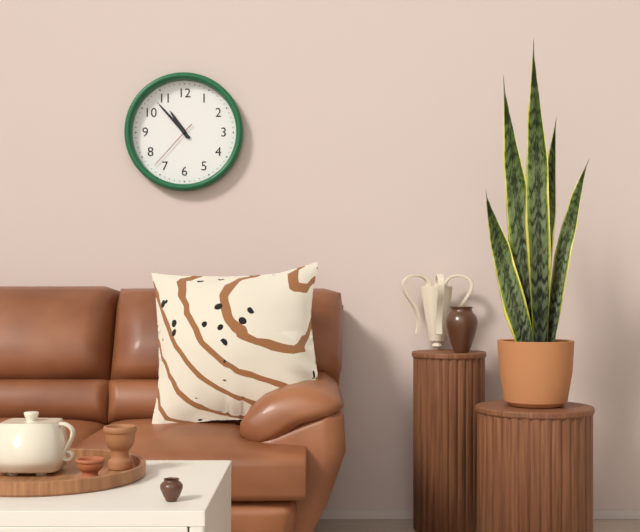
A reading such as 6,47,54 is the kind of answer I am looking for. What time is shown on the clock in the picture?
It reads 10,53,37
